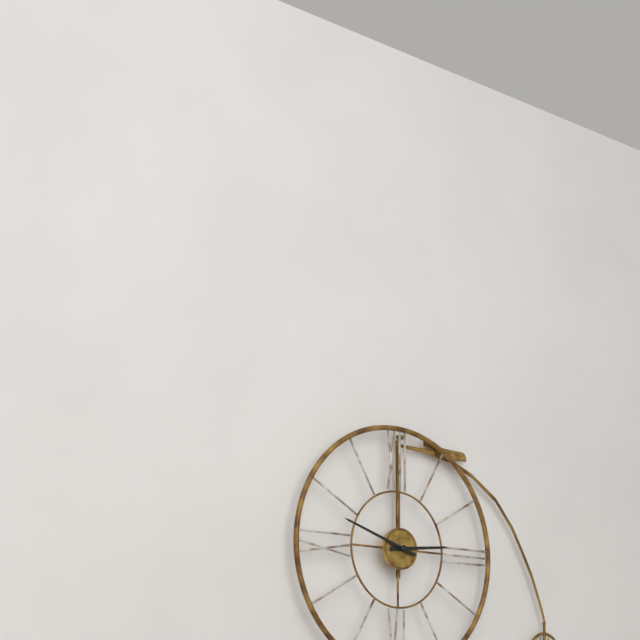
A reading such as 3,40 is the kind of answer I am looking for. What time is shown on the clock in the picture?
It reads 2,48
